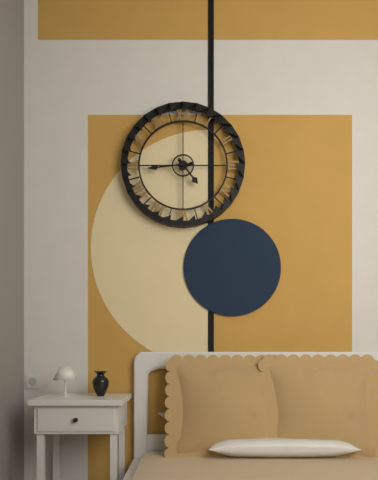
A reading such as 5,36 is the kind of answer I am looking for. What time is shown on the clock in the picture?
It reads 4,44
